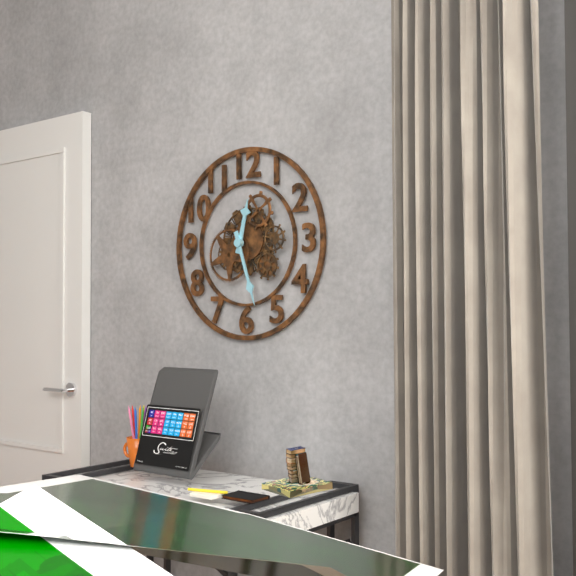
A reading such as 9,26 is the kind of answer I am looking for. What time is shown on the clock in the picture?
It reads 12,27
